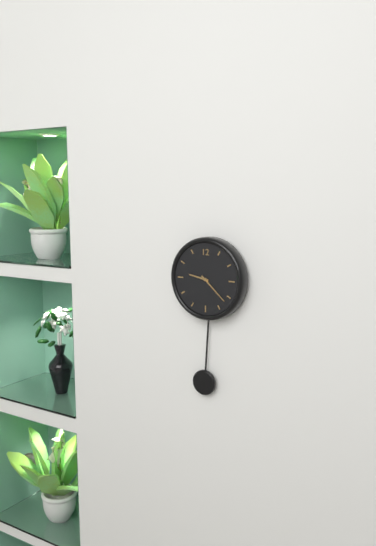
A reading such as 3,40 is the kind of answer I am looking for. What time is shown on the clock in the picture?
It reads 9,22
